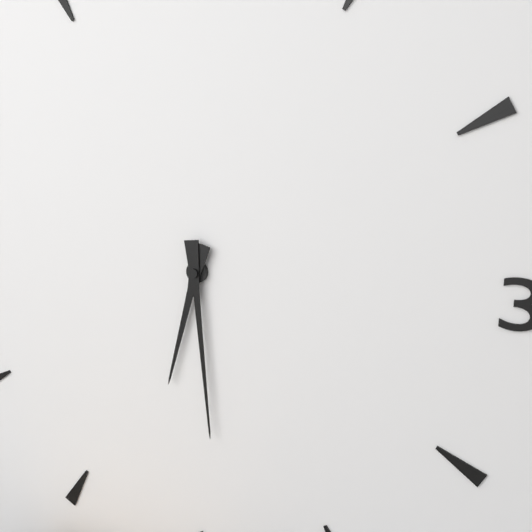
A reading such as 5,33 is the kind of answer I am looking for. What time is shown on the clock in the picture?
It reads 6,29
